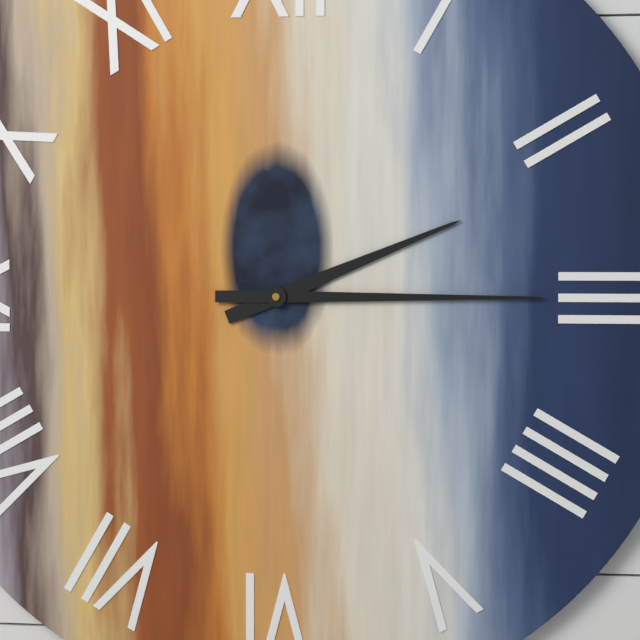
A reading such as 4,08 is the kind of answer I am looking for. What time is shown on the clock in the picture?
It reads 2,15
